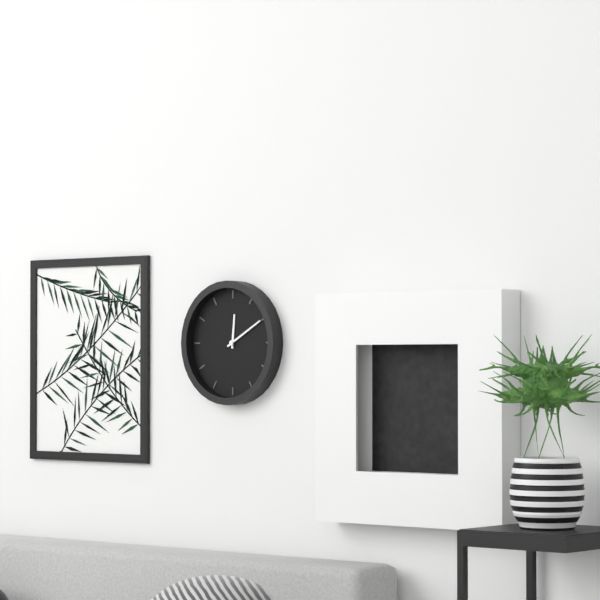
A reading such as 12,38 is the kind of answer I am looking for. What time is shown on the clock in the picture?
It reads 12,10
